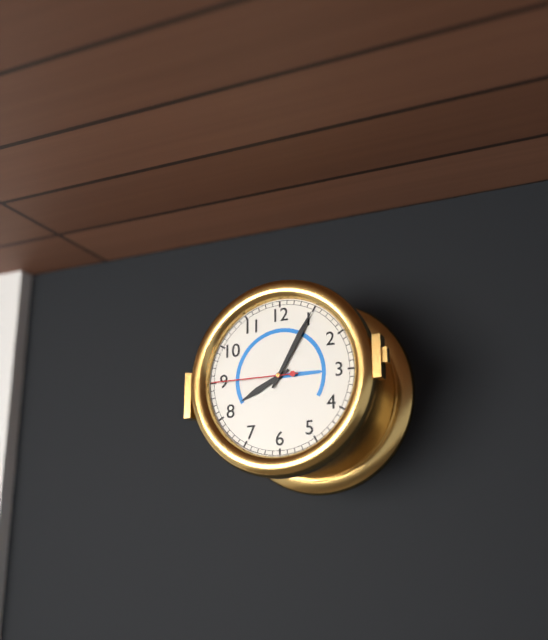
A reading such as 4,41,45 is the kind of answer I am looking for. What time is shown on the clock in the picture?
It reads 8,05,45
